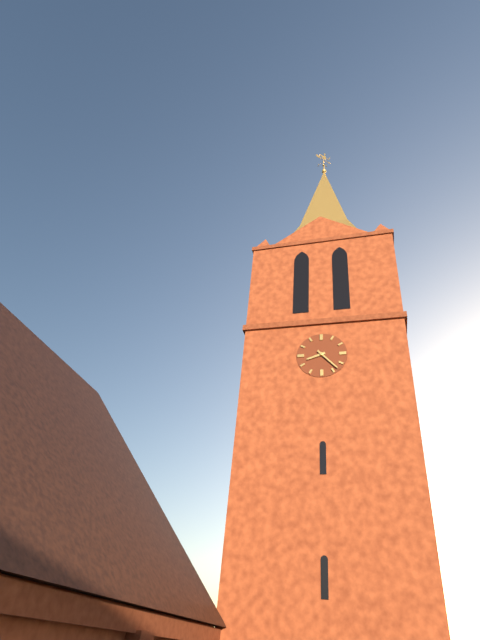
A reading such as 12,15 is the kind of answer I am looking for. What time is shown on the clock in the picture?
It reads 8,23
